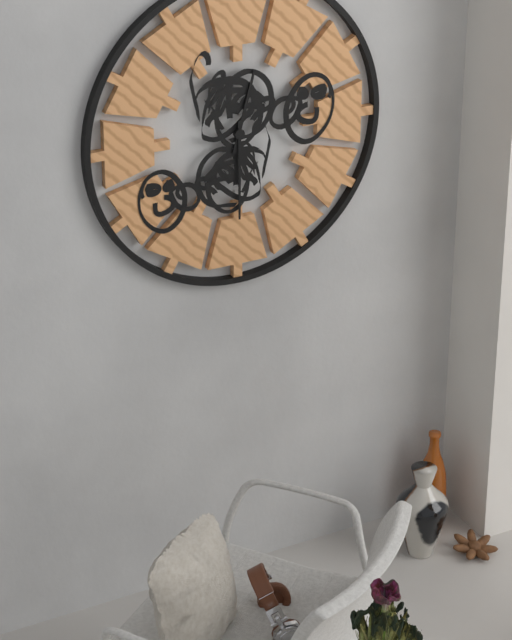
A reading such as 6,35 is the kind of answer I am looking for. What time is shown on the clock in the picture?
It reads 12,30
